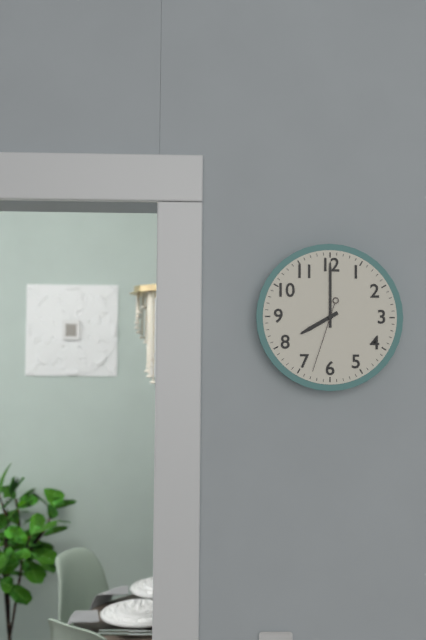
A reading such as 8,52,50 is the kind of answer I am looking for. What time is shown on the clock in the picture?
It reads 8,00,33
